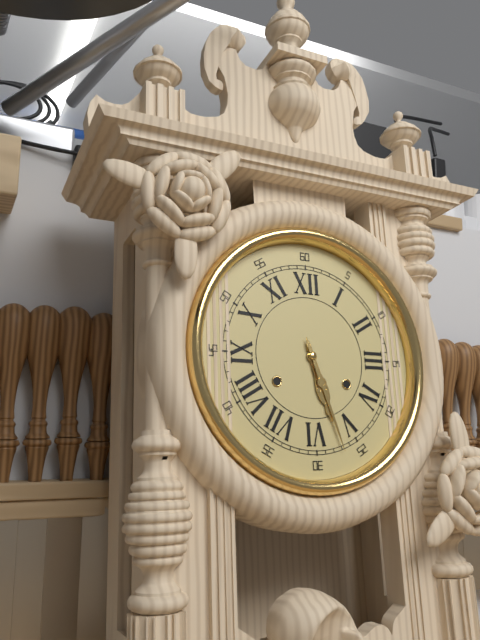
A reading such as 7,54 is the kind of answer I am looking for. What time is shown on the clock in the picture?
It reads 5,27
